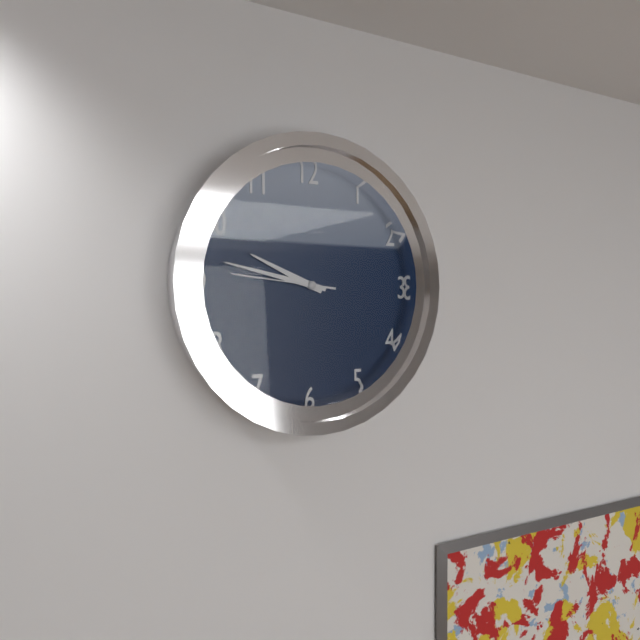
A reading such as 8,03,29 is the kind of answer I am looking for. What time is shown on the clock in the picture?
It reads 9,47,46
